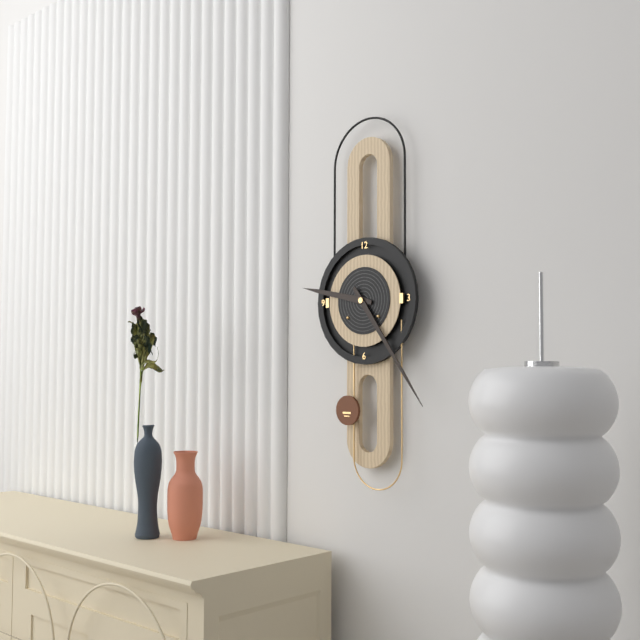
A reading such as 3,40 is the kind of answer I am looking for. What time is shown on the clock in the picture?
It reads 9,24
